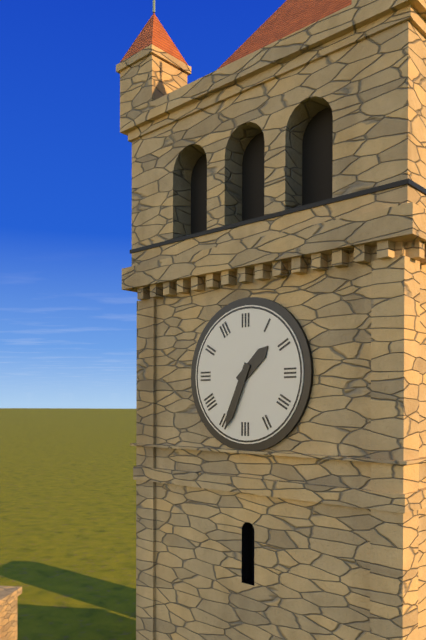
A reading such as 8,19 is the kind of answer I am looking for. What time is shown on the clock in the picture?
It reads 1,34
